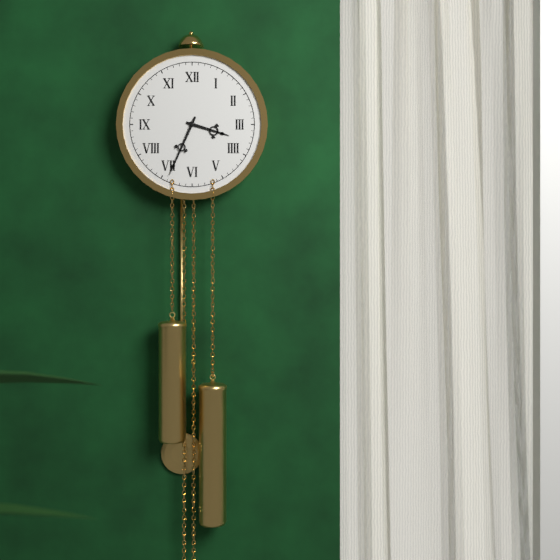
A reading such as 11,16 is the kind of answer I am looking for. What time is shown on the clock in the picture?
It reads 3,34
